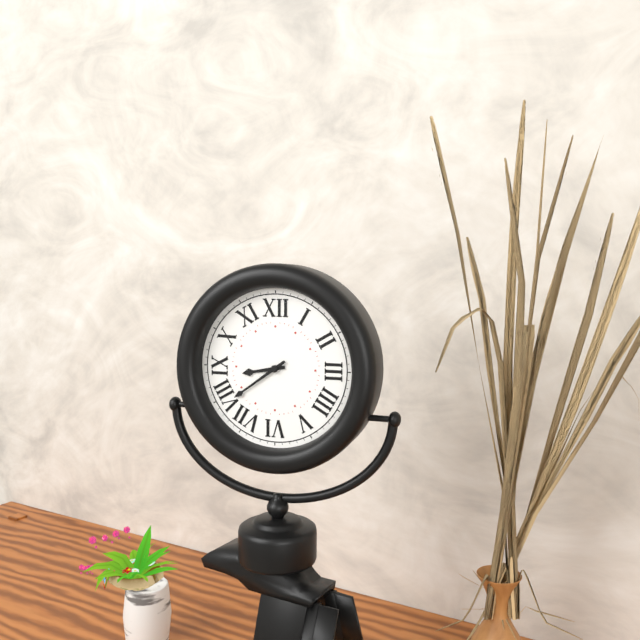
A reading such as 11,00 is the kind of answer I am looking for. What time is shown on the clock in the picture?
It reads 8,39
